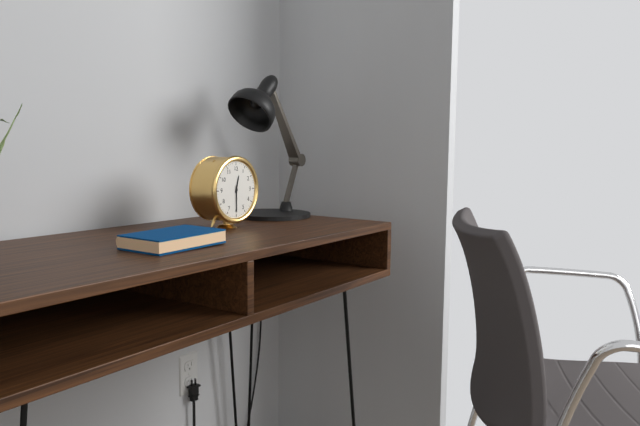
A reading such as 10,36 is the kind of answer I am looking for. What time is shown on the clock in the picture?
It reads 12,30
